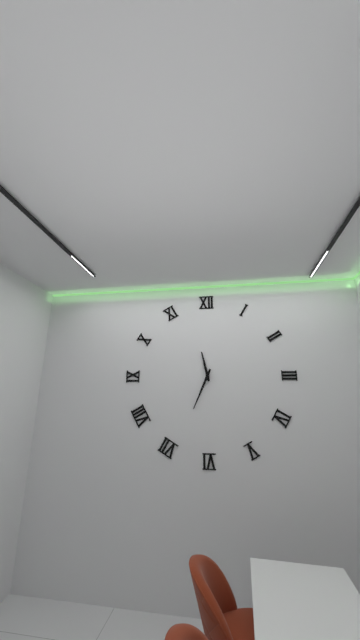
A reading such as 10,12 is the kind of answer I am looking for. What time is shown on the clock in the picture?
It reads 11,34
